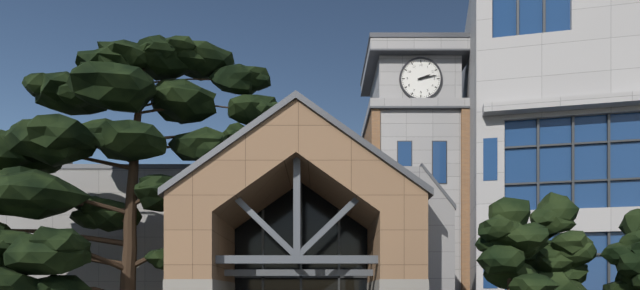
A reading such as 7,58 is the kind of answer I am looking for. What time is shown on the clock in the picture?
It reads 2,13
